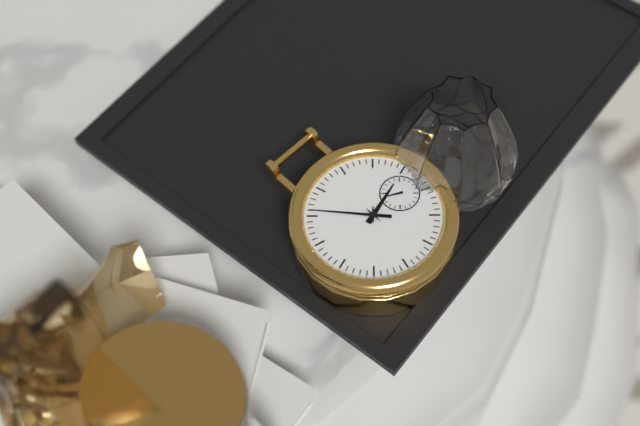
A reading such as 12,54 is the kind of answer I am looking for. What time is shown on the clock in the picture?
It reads 4,01
